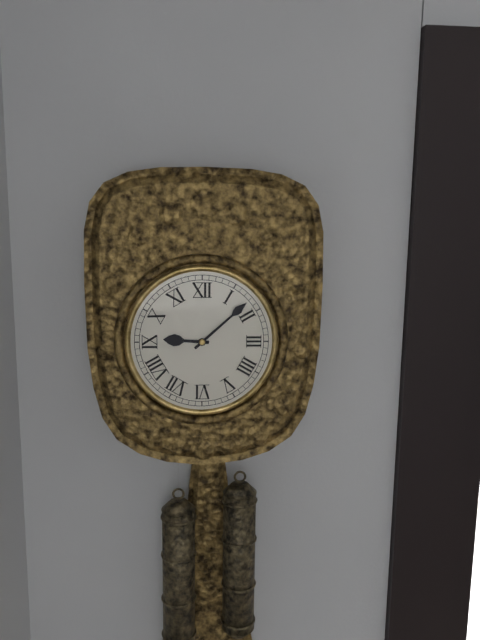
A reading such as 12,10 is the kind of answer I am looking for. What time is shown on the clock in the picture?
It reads 9,08
